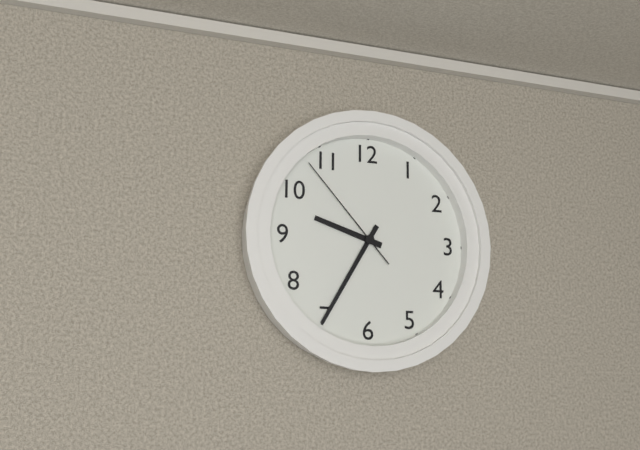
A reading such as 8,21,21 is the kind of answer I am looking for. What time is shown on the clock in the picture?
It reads 9,35,53
